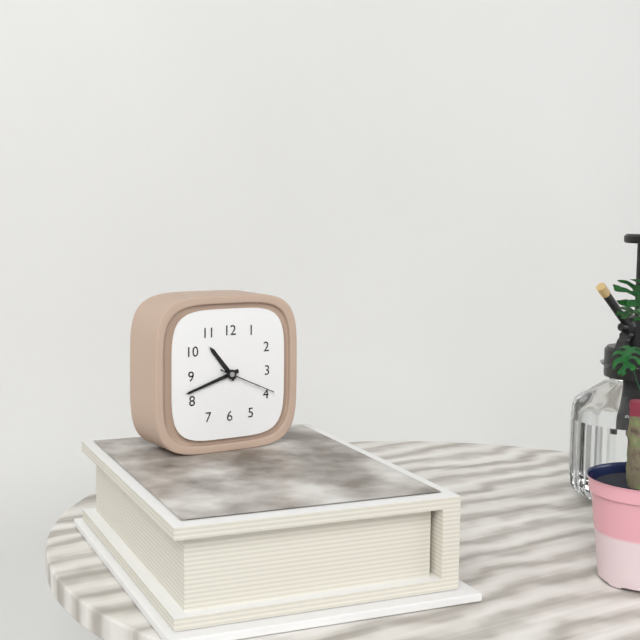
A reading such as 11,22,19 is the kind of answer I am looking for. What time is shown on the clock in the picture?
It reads 10,42,19
